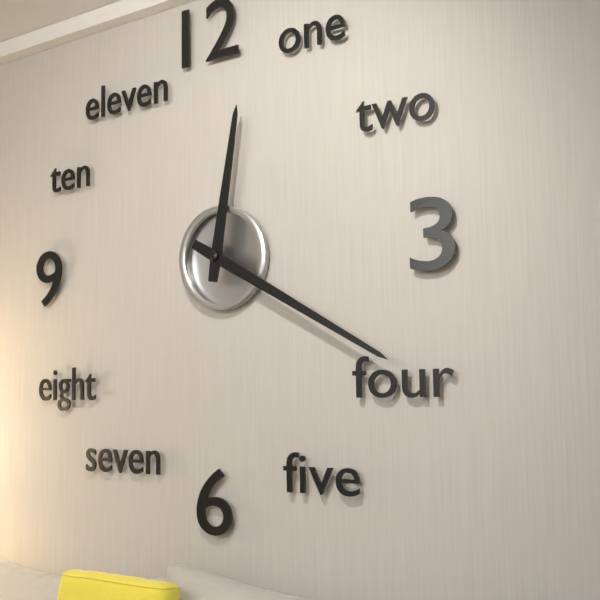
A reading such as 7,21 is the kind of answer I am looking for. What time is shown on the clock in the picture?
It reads 12,20
